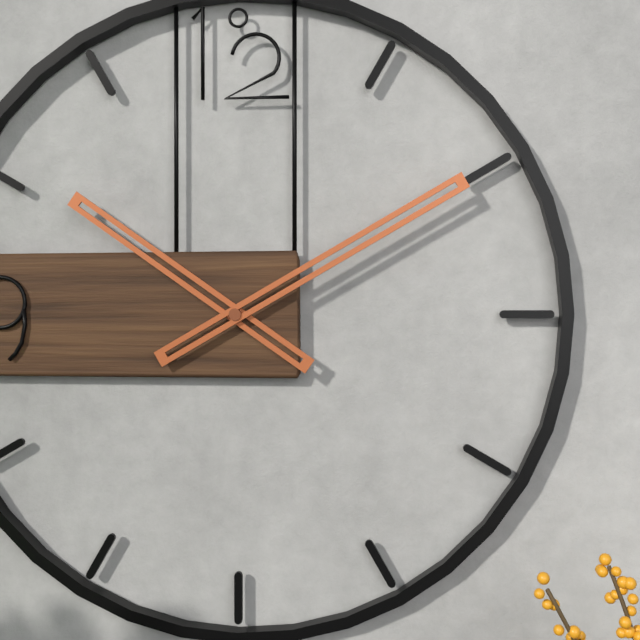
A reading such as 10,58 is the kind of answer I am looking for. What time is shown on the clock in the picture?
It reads 10,10
